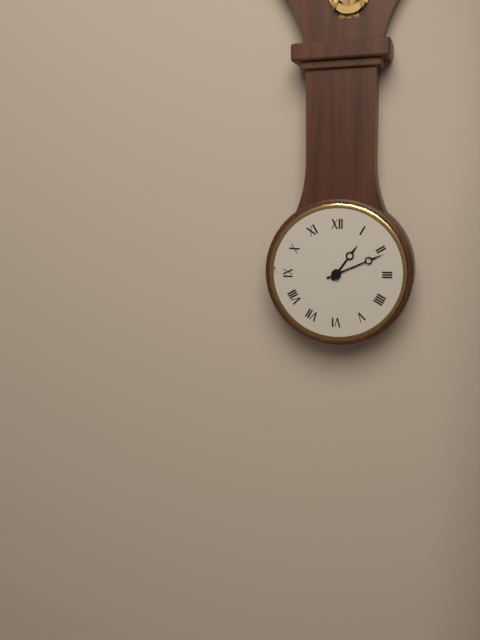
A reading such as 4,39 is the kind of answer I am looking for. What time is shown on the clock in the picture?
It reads 1,11
